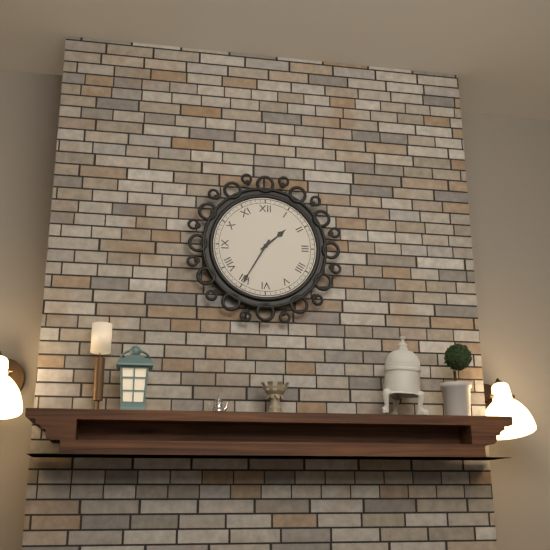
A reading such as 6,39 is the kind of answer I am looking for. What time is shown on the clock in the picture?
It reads 1,35
